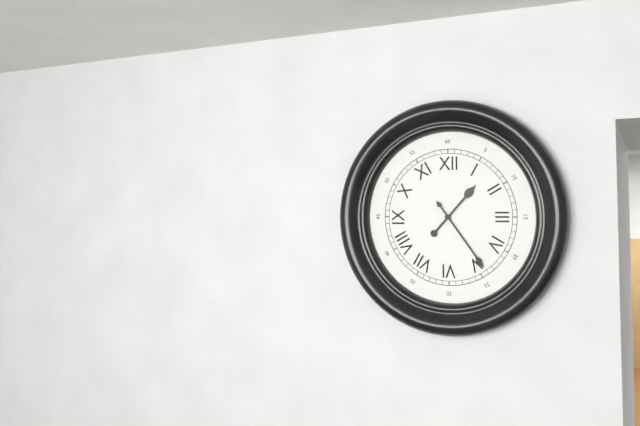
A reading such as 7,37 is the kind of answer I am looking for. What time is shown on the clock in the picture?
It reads 1,24
